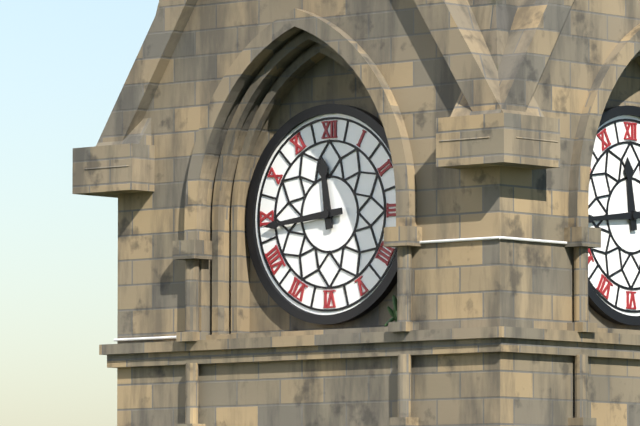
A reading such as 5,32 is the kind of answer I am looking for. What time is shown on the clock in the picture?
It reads 11,44
